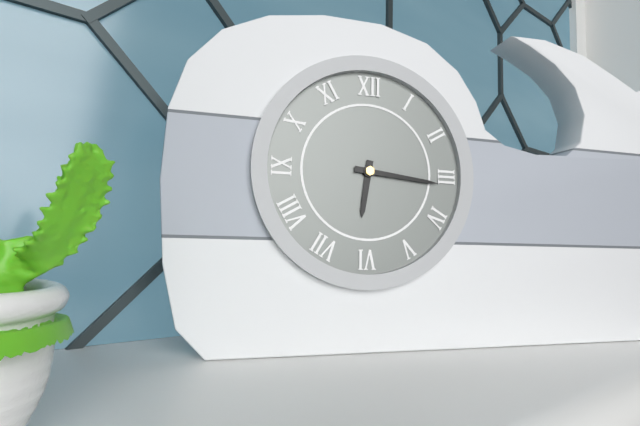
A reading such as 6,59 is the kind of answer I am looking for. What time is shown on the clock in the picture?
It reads 6,16
